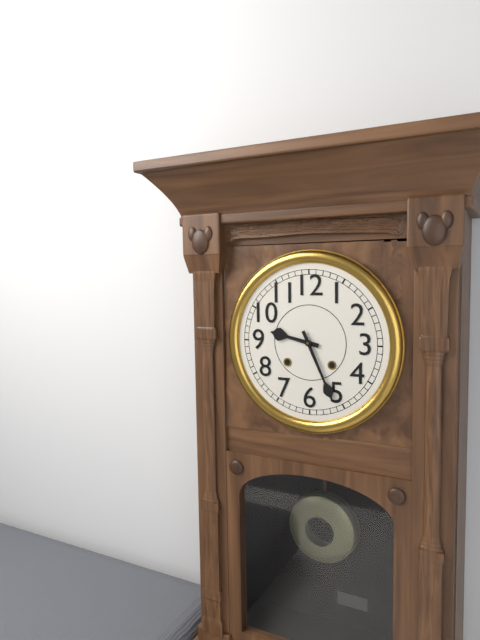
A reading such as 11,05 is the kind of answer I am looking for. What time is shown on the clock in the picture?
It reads 9,26
